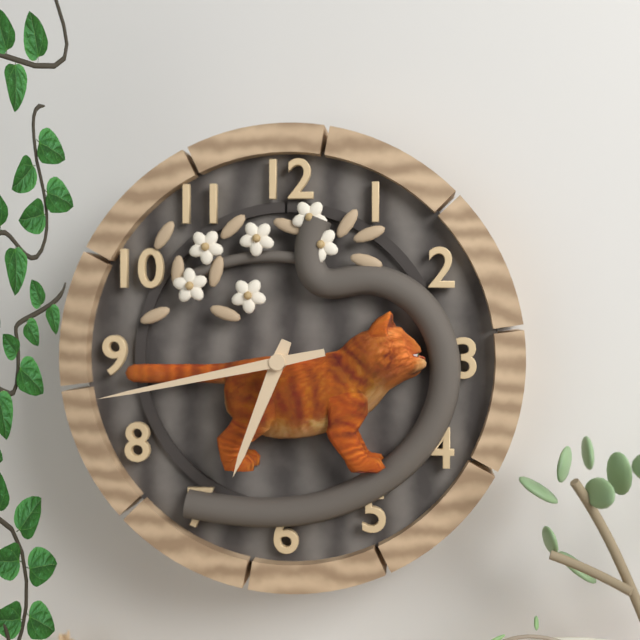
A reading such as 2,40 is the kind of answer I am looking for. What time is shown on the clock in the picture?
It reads 6,43
